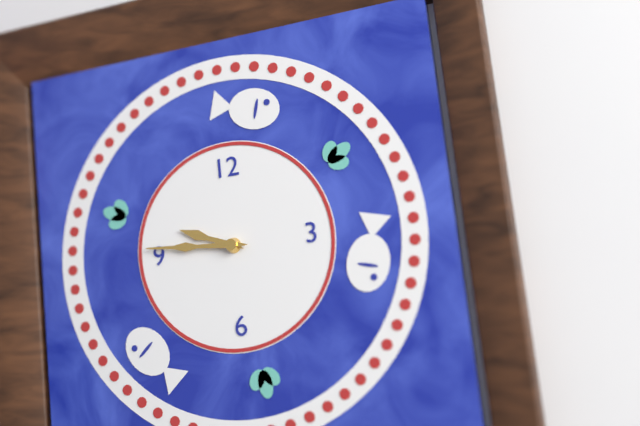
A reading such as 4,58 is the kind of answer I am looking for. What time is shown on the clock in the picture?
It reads 9,46
